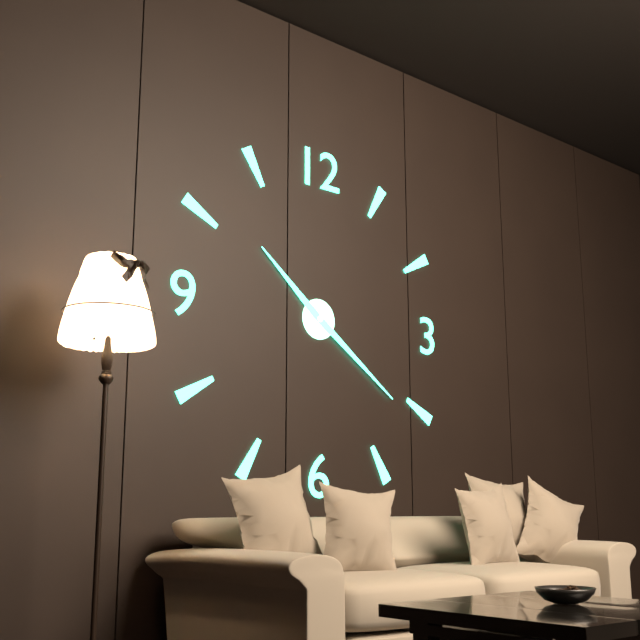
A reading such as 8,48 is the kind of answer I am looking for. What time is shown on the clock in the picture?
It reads 10,21
